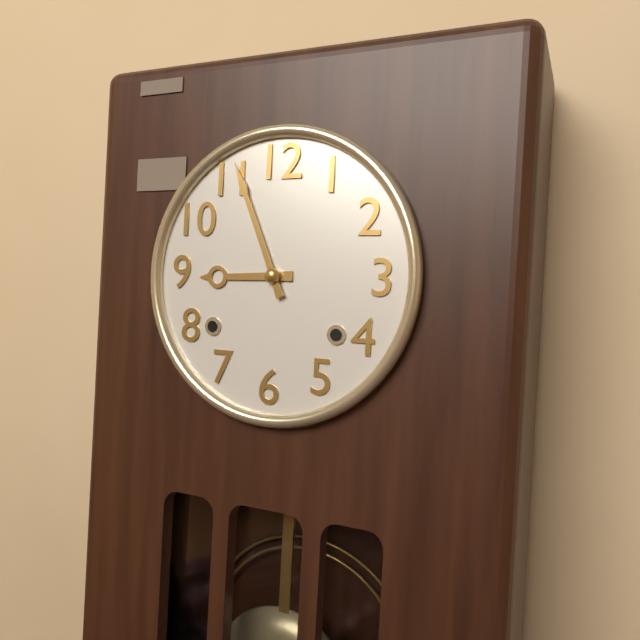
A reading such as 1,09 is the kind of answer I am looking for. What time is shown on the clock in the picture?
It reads 8,56
